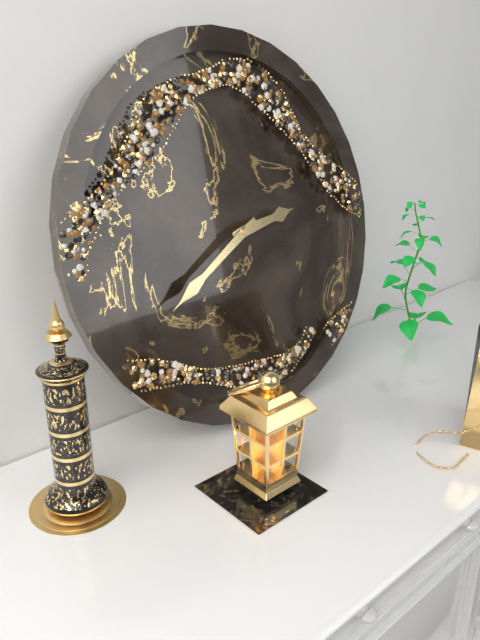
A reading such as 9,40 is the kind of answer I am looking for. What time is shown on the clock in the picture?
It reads 2,40
